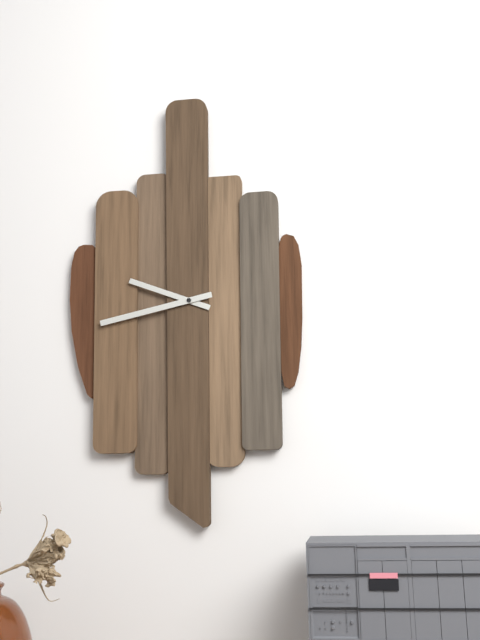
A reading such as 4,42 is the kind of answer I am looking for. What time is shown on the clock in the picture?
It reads 9,43
